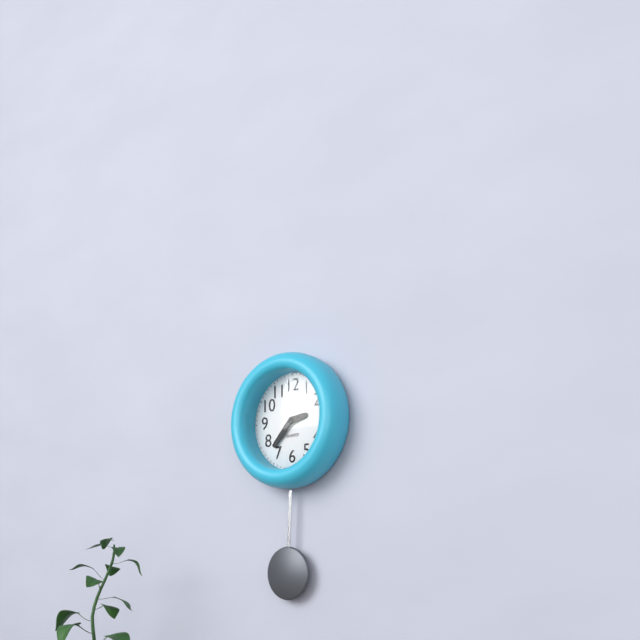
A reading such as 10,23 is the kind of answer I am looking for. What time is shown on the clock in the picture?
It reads 2,37
